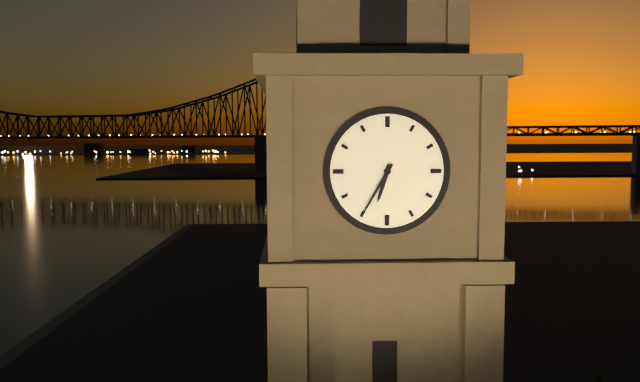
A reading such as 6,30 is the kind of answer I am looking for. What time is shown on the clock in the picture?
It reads 6,35
